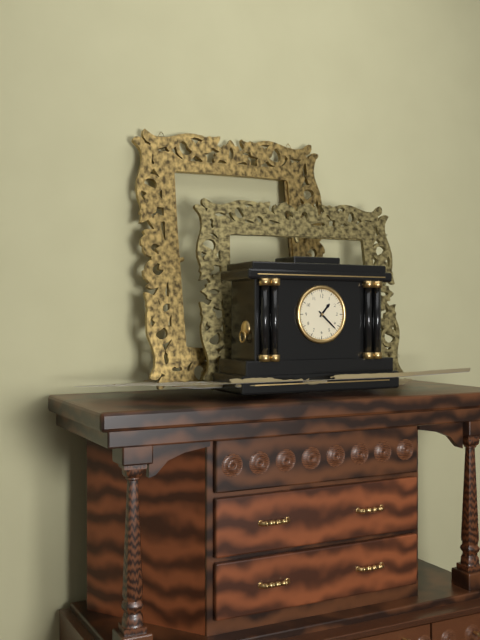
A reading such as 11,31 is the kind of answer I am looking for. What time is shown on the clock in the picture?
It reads 1,22
